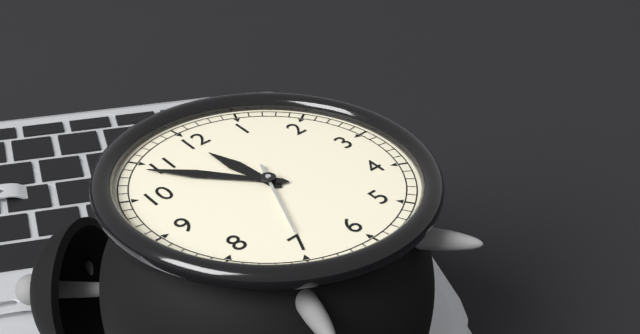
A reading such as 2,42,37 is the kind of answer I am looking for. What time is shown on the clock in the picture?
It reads 11,54,35
